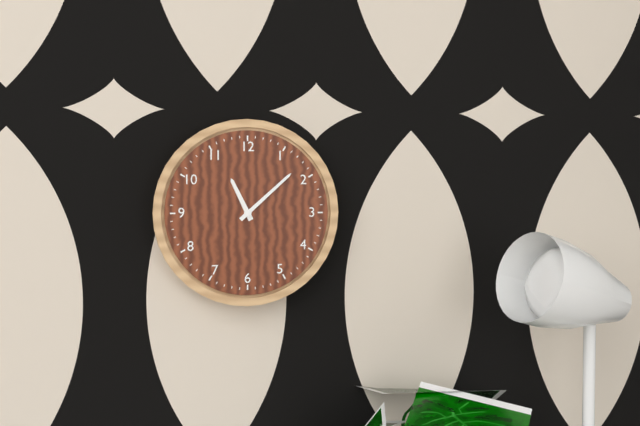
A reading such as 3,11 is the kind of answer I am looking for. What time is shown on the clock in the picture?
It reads 11,08
